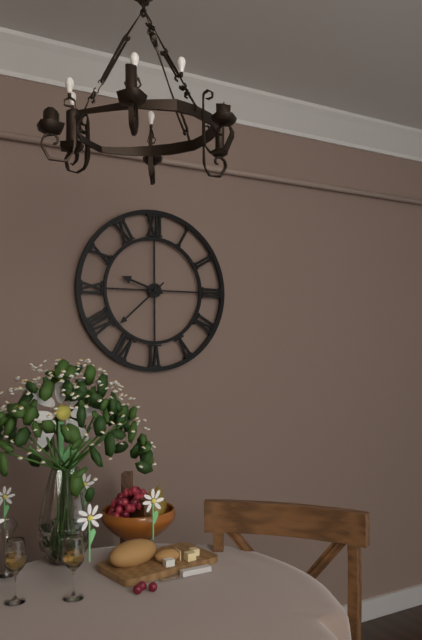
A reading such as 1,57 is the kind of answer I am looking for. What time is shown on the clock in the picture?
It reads 9,38
